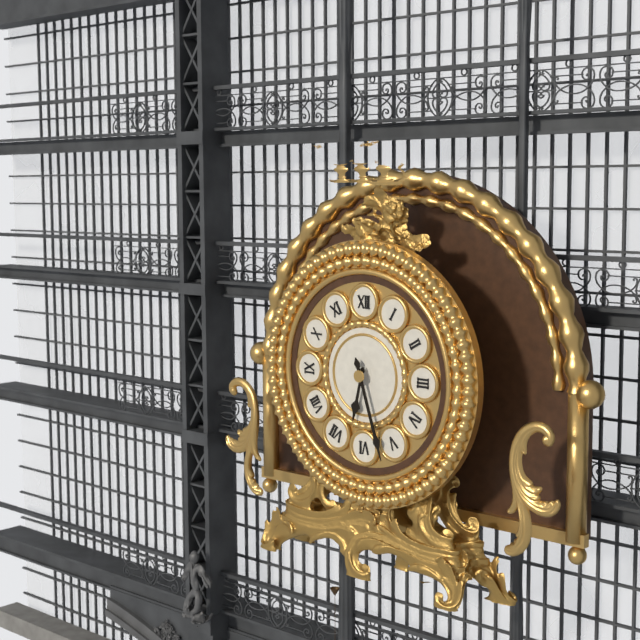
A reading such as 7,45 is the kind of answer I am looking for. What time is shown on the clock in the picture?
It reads 6,27
